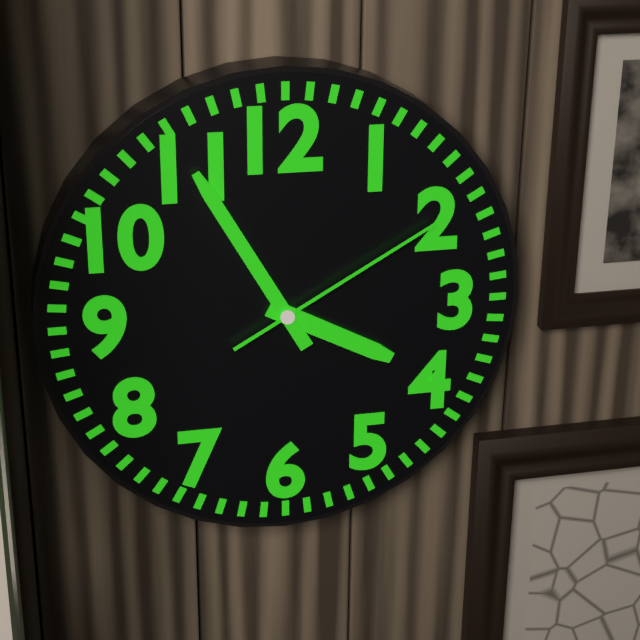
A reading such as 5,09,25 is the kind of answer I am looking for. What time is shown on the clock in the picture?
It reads 3,55,10
